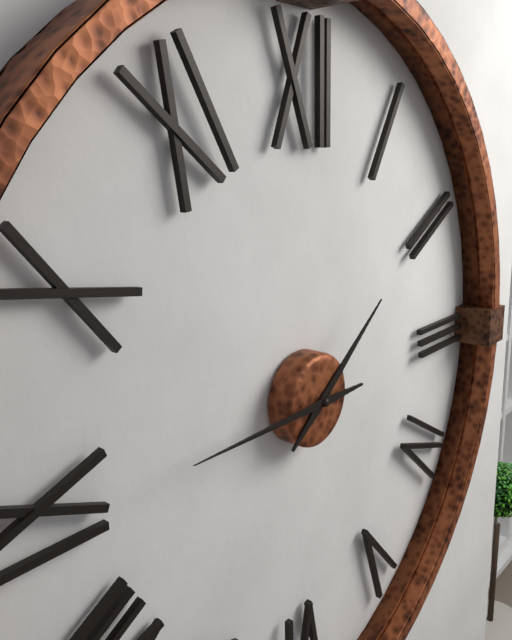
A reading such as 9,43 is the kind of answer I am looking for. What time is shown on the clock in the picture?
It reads 1,45
